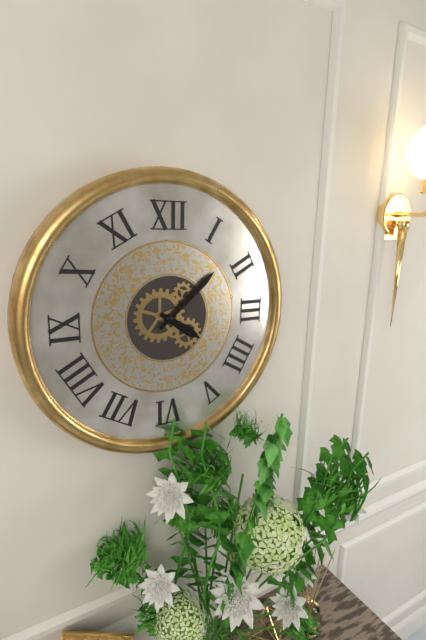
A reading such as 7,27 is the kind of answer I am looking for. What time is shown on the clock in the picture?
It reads 4,08
